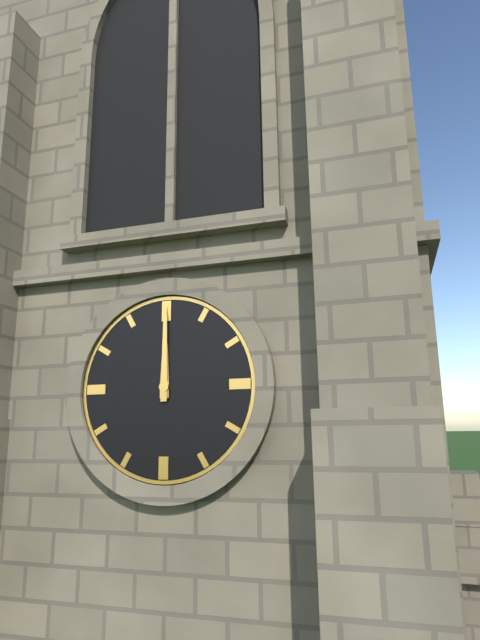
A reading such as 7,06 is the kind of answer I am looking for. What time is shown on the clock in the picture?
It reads 12,00
